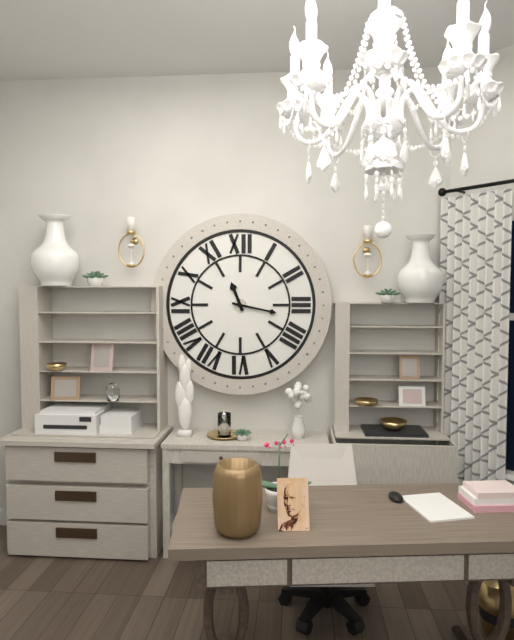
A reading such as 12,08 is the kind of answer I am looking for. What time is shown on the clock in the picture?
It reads 11,17
